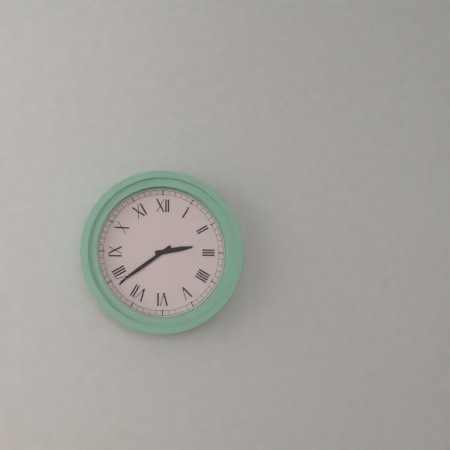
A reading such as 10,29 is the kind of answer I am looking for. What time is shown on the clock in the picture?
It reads 2,39
